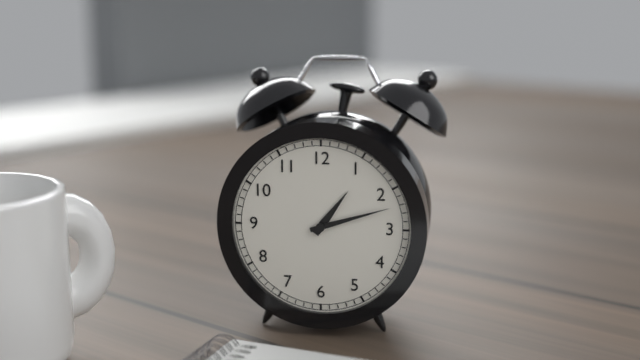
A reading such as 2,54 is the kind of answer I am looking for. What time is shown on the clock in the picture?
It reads 1,12
